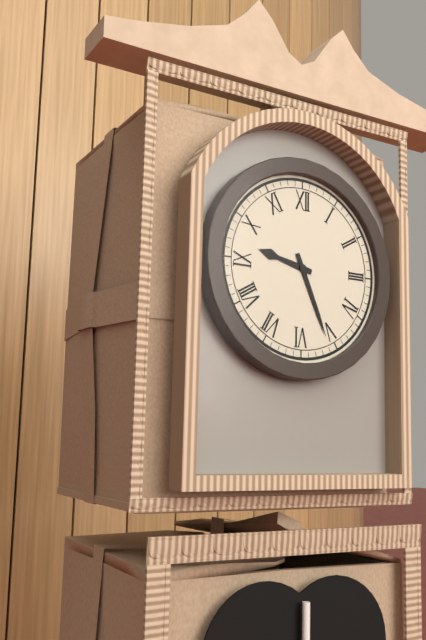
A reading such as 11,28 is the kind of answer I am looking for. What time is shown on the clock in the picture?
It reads 9,26
